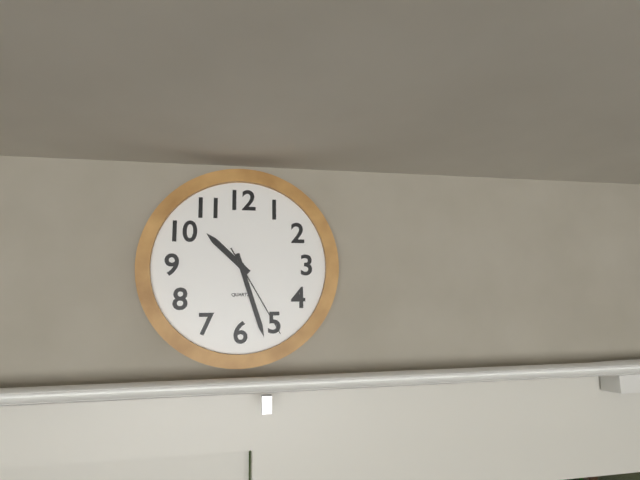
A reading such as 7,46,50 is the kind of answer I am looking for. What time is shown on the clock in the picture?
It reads 10,27,25
